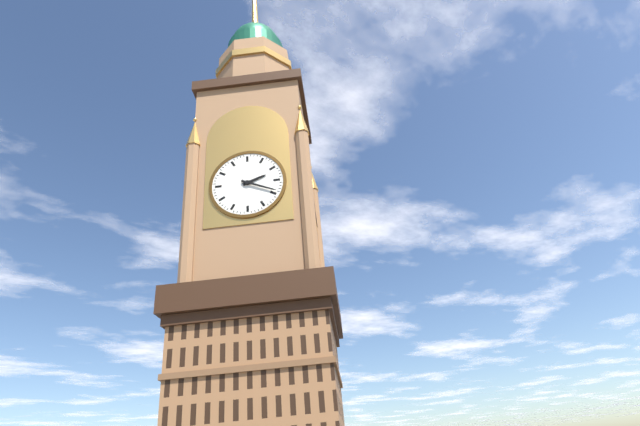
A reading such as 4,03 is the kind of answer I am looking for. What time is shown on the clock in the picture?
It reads 2,19
